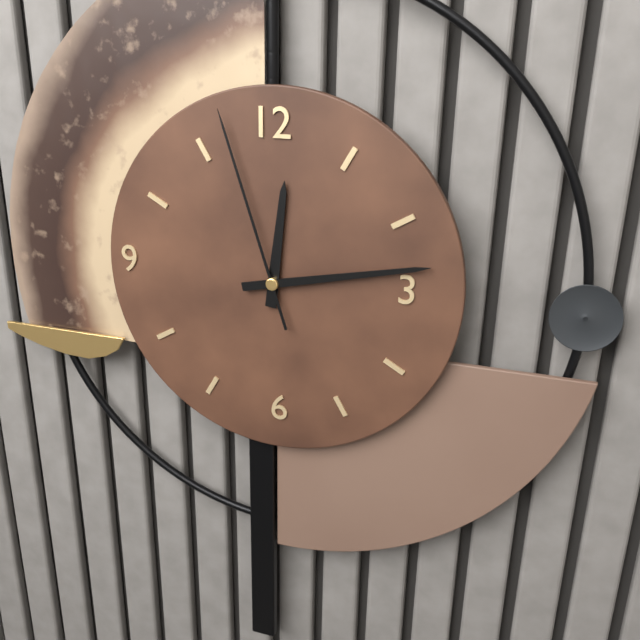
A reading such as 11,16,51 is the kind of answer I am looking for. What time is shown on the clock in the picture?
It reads 12,13,57
